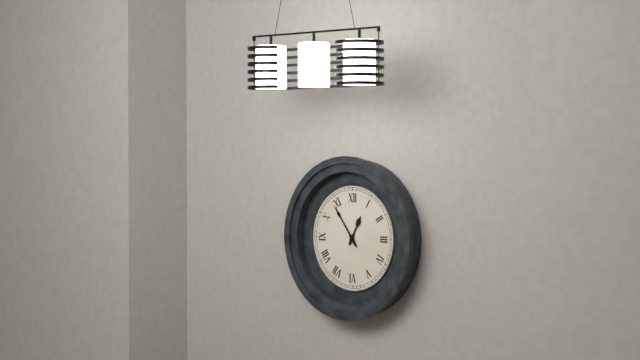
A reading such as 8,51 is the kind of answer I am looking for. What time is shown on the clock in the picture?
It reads 12,54
